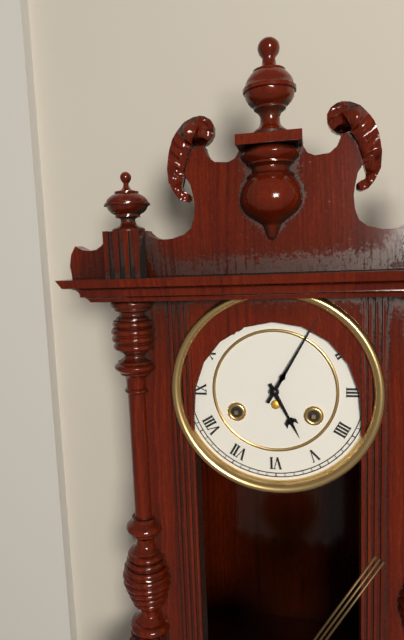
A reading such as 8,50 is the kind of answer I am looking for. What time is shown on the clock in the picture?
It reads 5,05
